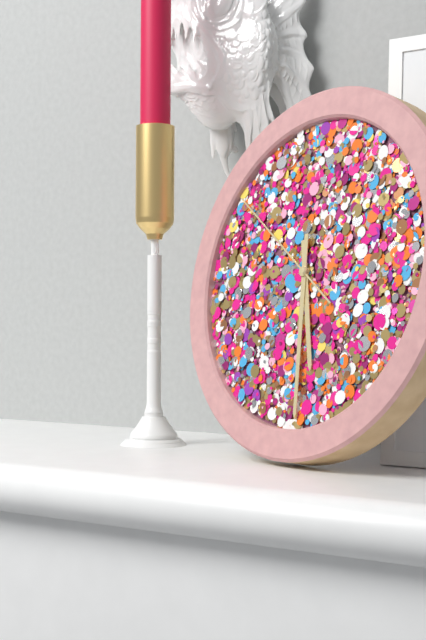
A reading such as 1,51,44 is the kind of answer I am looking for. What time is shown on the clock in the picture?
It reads 5,29,51
